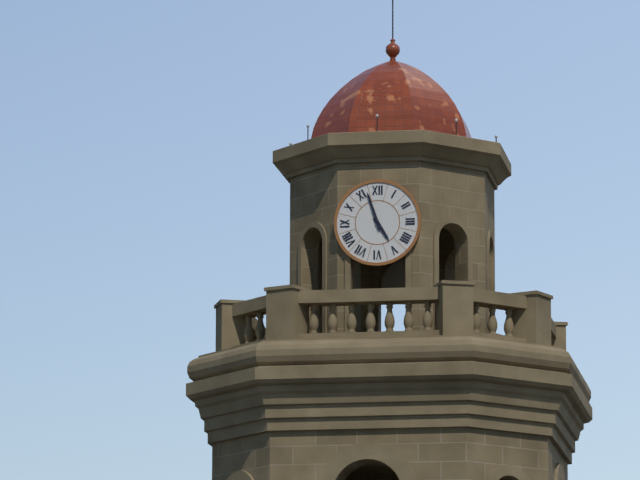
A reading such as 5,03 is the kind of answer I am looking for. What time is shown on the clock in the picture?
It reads 4,57
